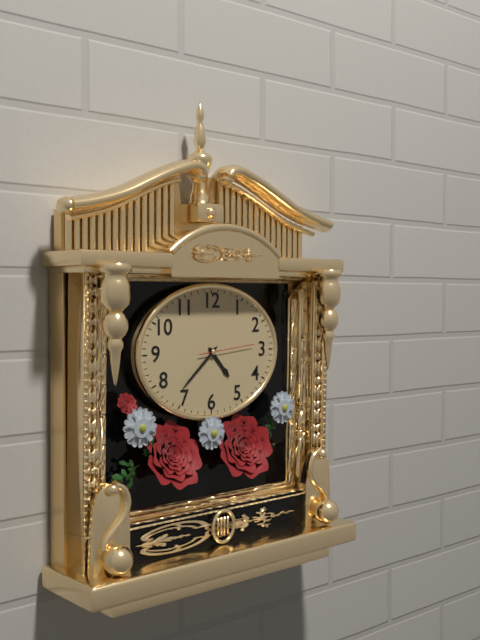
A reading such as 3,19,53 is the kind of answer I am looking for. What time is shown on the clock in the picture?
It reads 4,38,14
